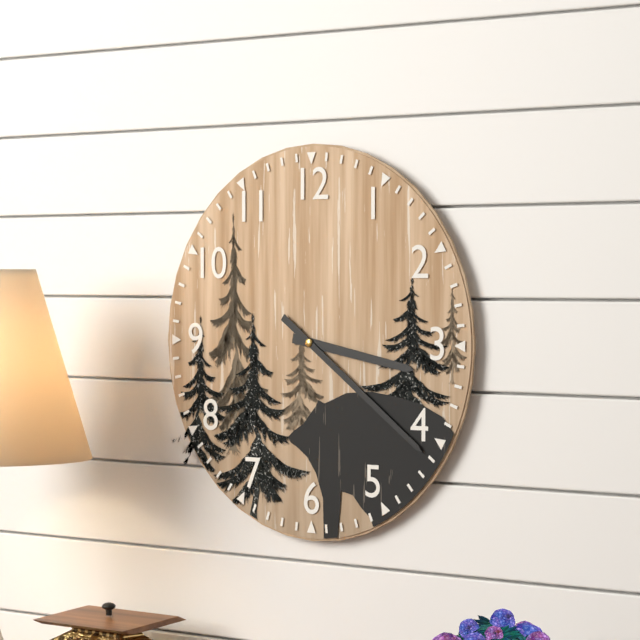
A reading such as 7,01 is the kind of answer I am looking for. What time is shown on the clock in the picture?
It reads 3,21
